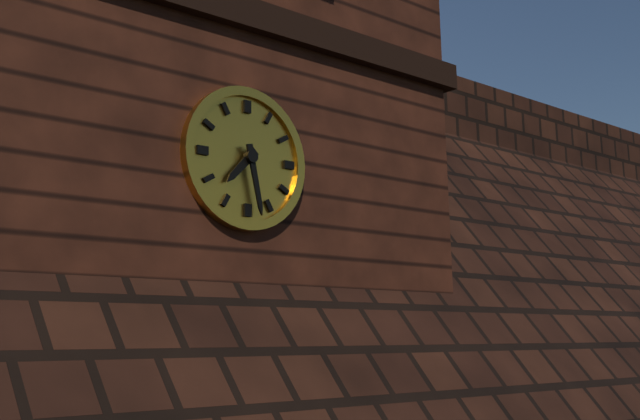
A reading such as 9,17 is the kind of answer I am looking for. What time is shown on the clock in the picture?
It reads 7,28
